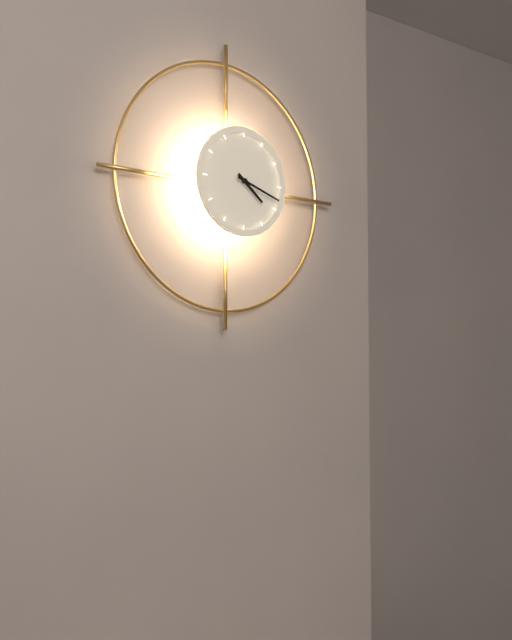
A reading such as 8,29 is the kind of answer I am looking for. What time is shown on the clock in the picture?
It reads 4,18
